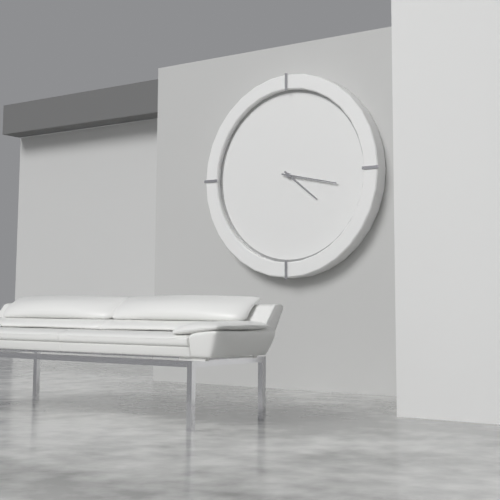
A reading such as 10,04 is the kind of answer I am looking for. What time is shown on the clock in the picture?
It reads 4,17
